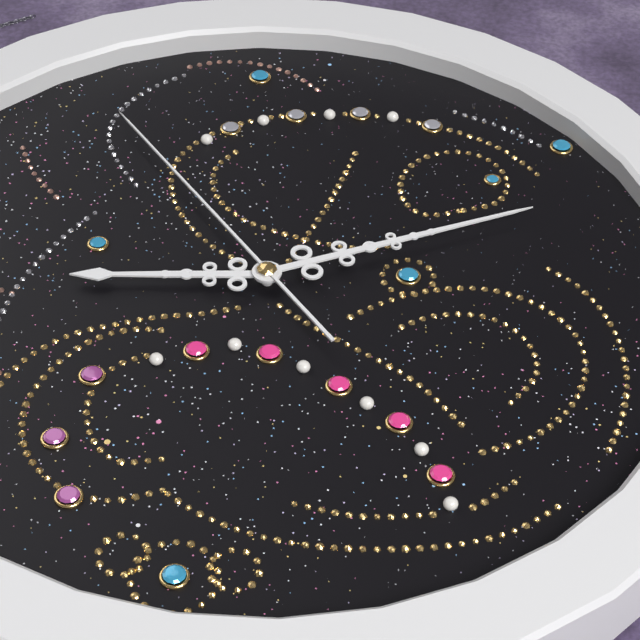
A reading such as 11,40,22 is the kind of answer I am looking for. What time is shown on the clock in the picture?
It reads 2,40,23
